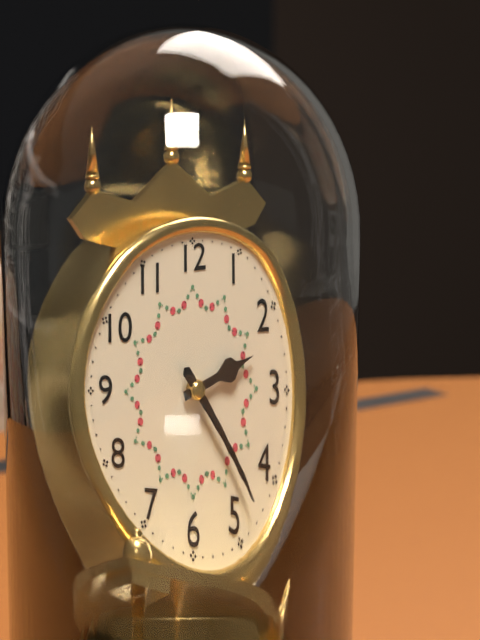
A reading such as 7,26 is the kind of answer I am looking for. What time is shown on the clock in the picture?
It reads 2,23
